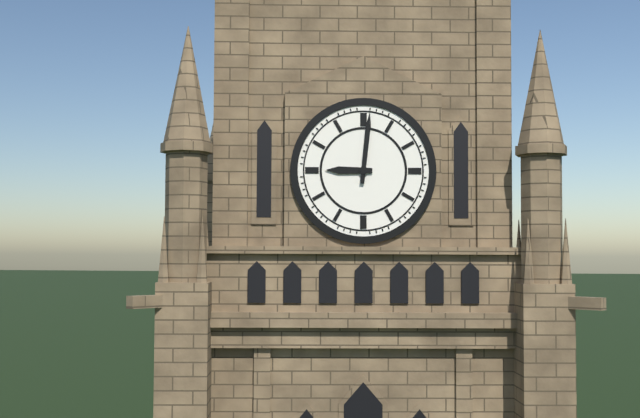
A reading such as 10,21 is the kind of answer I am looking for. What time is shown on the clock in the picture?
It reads 9,01
